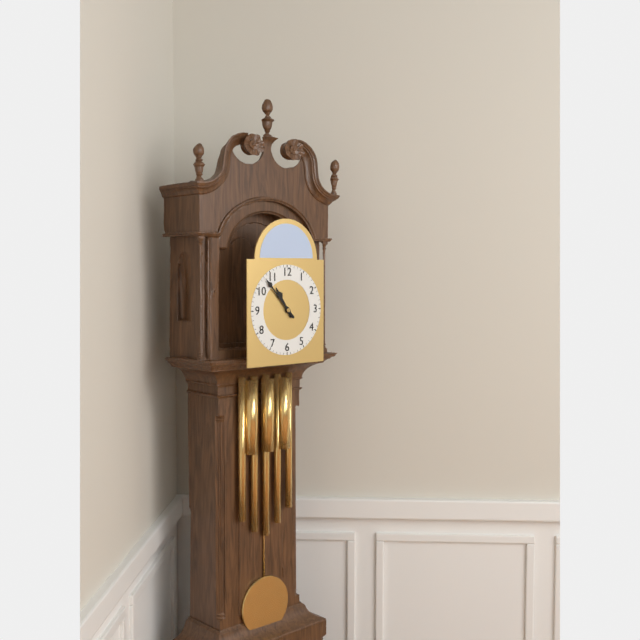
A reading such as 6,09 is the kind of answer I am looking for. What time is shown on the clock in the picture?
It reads 10,53
